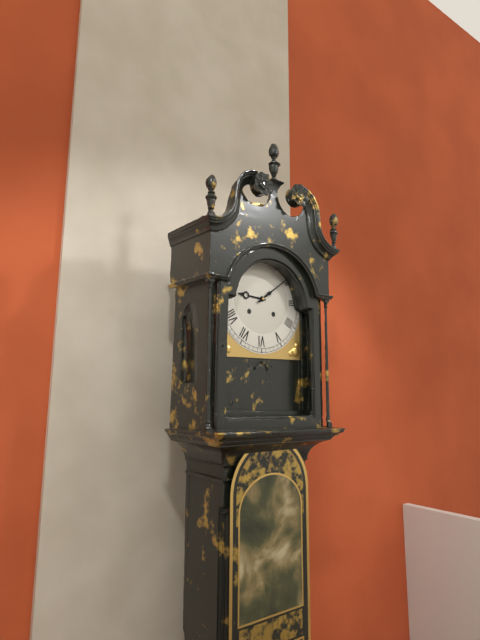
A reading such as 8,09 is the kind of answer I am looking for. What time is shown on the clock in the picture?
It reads 9,09
